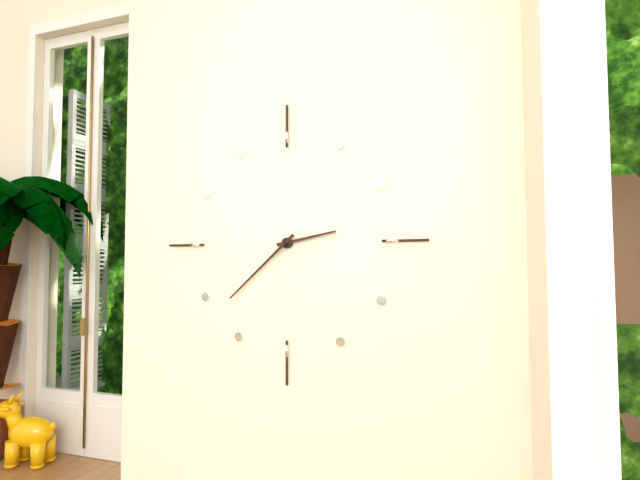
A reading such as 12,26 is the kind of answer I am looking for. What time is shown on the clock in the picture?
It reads 2,38
